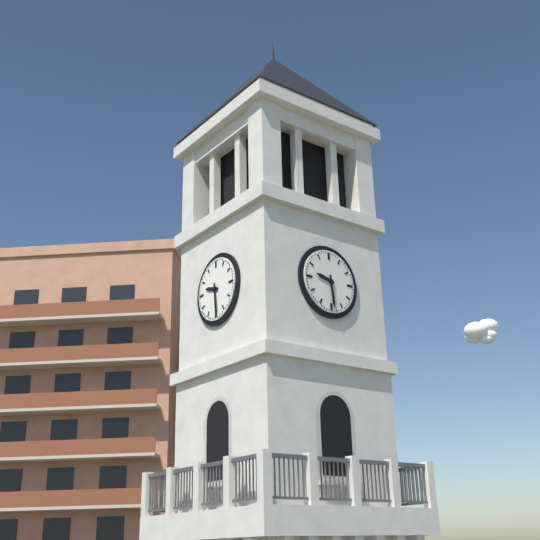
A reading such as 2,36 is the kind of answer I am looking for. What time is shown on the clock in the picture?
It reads 9,29
